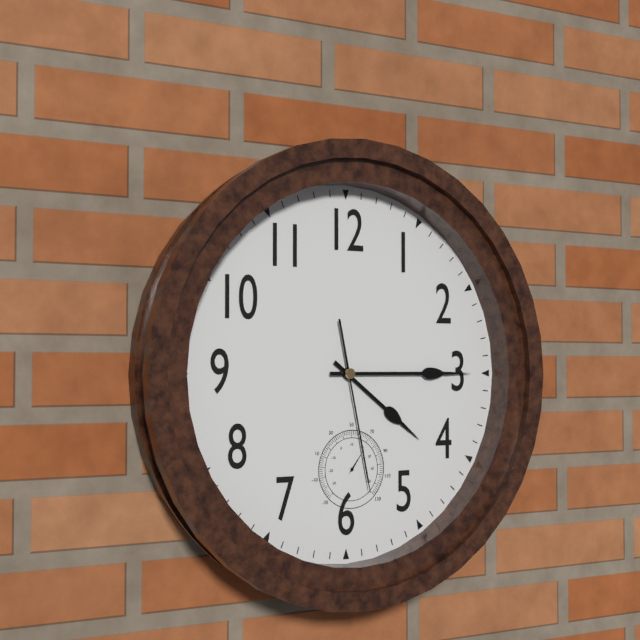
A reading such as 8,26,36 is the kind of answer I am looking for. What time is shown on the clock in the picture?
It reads 4,15,28
